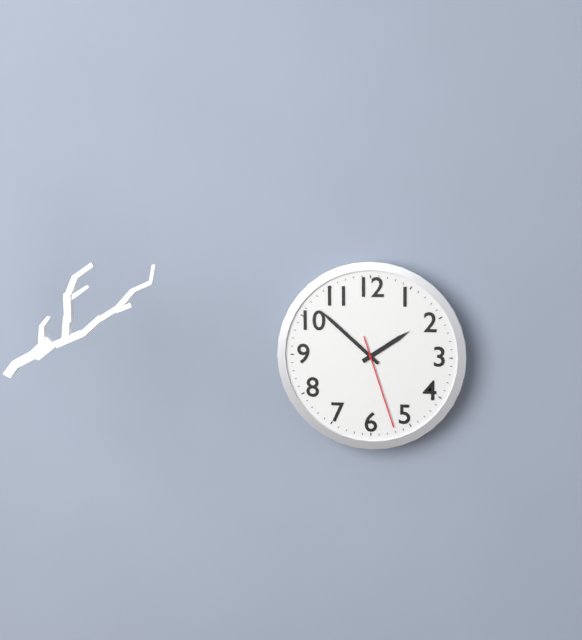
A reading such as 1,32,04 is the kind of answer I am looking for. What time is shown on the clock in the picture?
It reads 1,52,27
